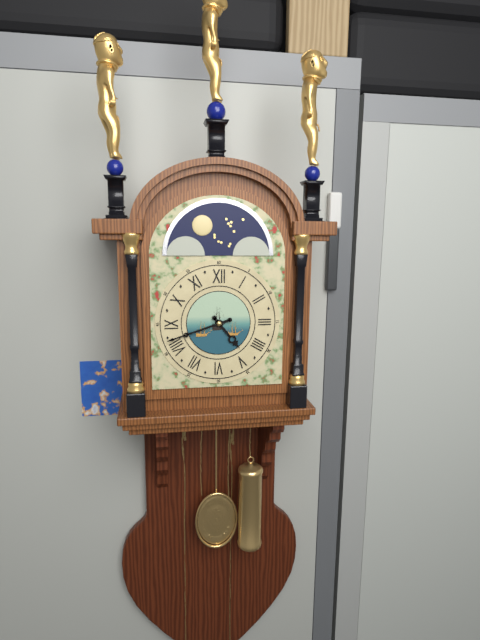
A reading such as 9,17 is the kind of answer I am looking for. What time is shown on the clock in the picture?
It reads 4,42
